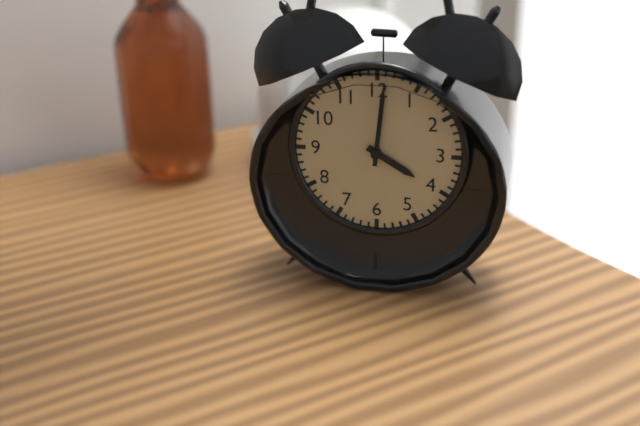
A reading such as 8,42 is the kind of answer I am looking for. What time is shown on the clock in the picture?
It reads 4,01
